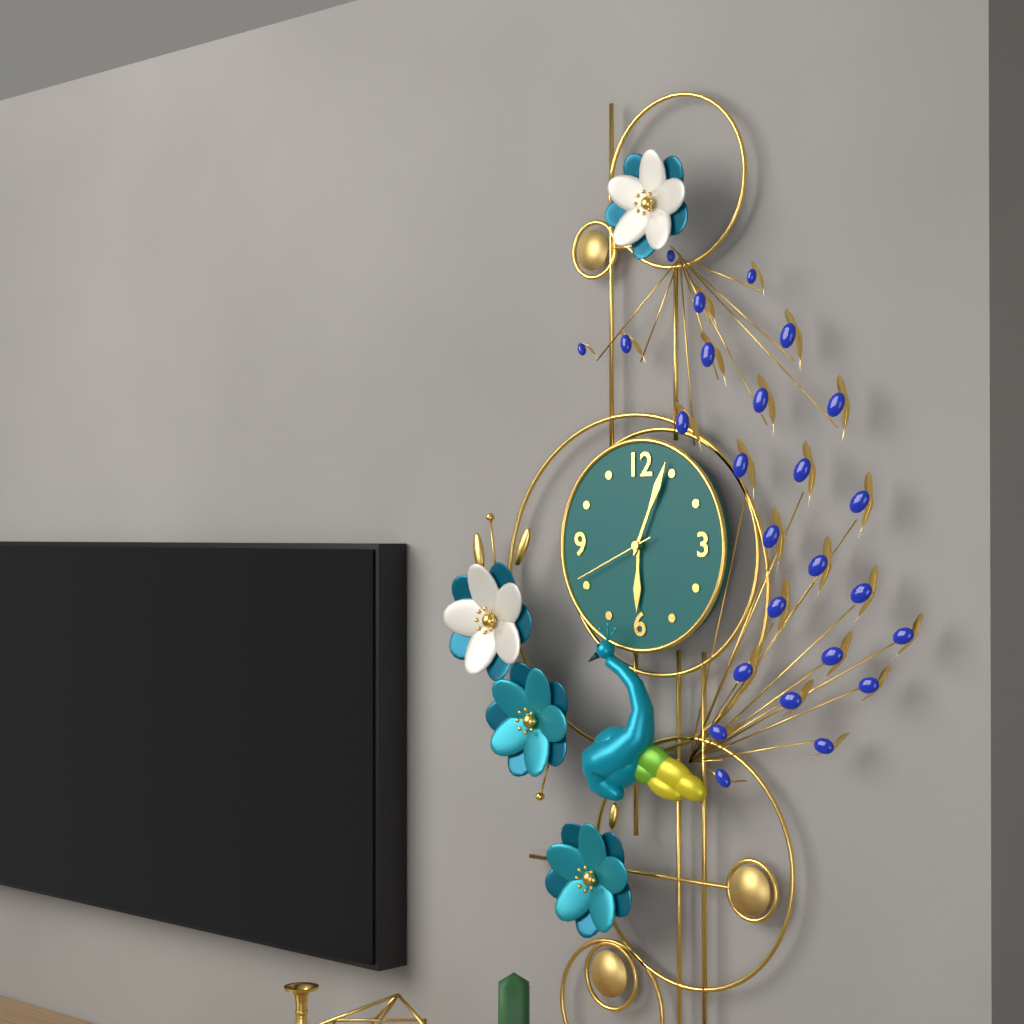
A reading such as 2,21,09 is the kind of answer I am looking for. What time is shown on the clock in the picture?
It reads 6,04,41
